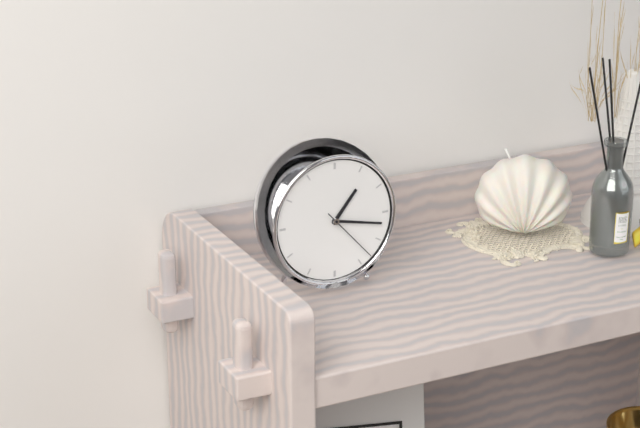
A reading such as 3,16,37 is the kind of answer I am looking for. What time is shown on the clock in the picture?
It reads 1,17,23
